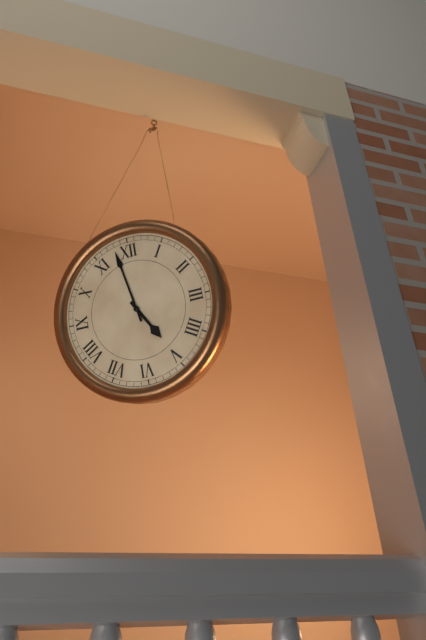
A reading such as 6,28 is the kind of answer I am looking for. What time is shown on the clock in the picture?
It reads 4,58
